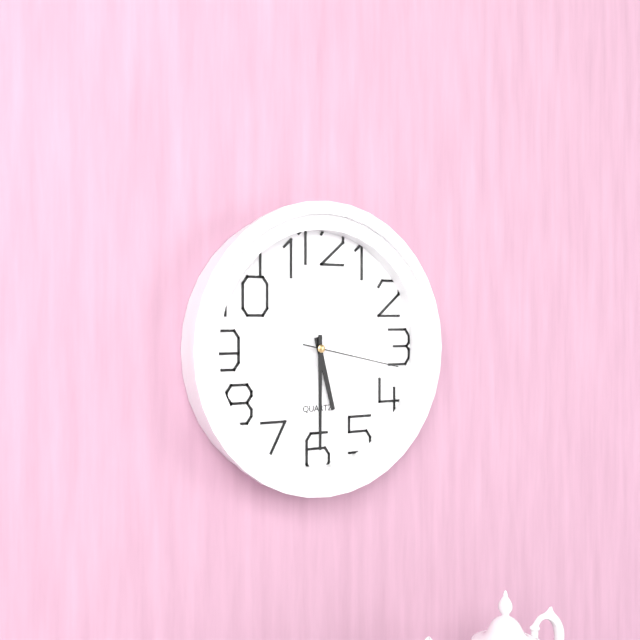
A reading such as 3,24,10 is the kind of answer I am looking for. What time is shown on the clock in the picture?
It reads 5,30,17
